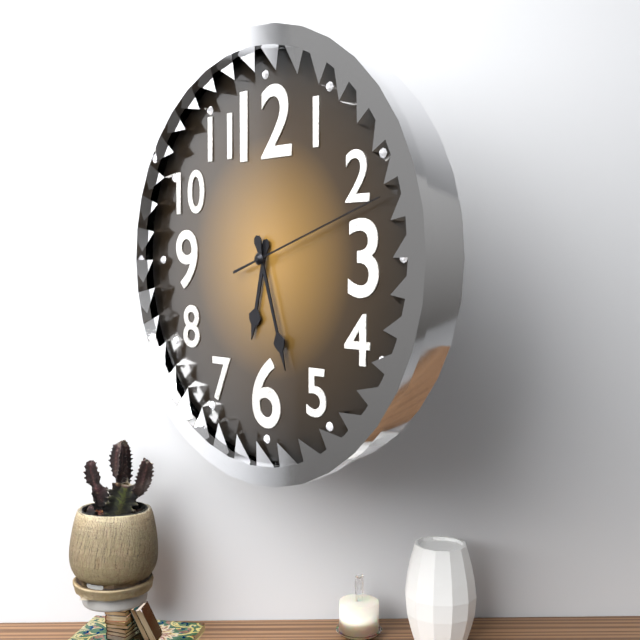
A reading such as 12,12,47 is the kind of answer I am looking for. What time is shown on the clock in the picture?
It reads 6,27,12
